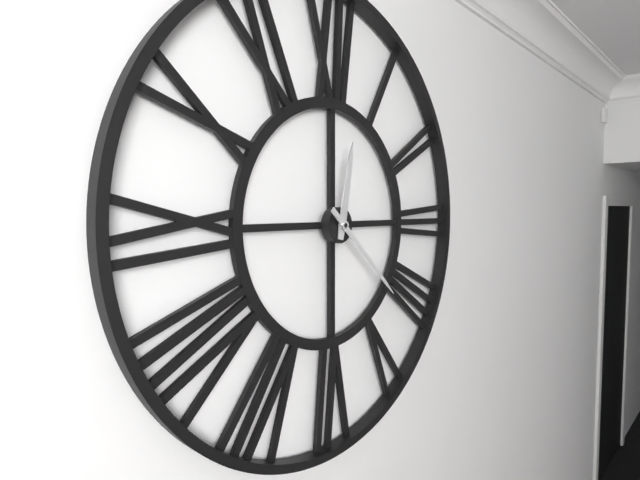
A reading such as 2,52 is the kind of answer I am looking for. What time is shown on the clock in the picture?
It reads 12,22
